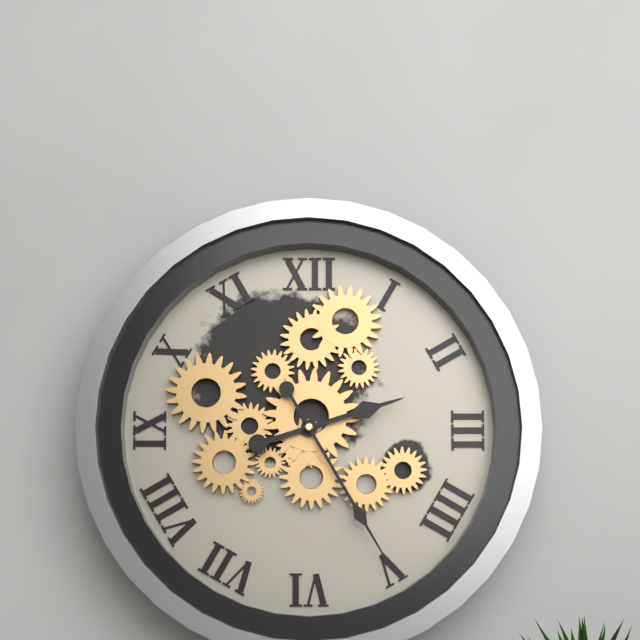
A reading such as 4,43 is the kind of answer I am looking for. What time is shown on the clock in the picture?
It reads 2,25
